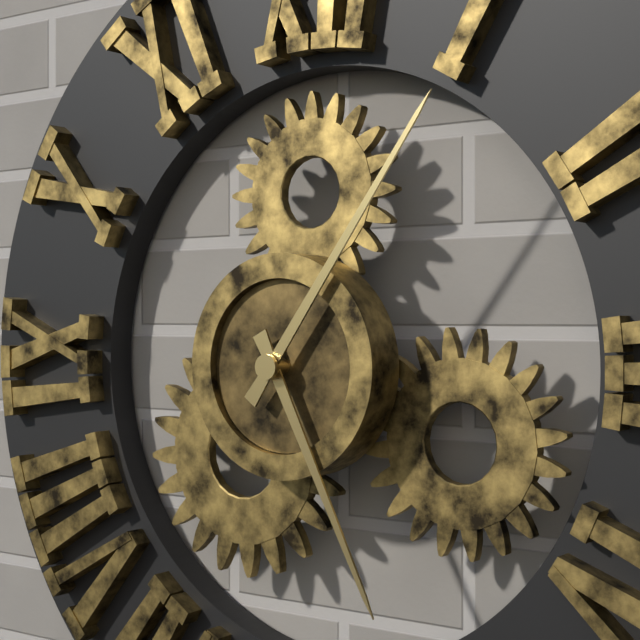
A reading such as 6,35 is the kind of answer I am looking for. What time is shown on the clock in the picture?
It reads 5,06
